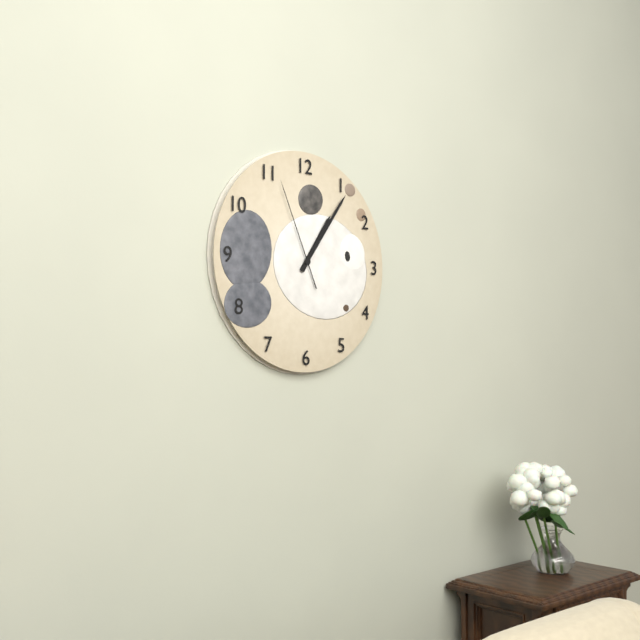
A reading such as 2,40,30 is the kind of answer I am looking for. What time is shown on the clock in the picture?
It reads 1,06,56
